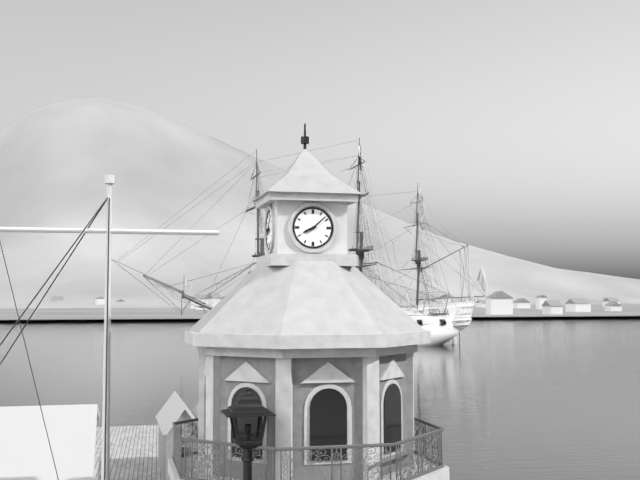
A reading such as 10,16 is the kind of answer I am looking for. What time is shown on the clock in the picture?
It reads 8,08
